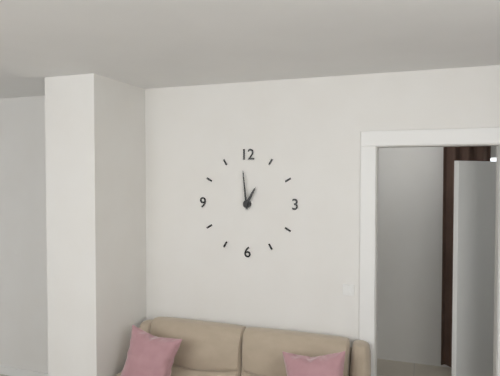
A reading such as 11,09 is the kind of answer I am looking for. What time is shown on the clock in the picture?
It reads 12,59
